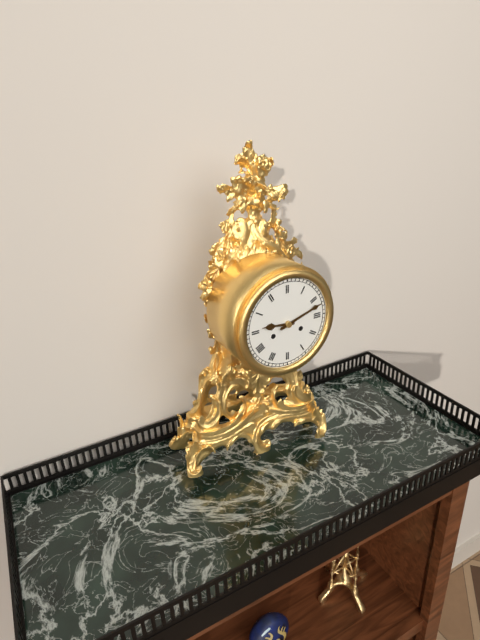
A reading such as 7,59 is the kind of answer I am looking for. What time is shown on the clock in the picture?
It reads 9,12
